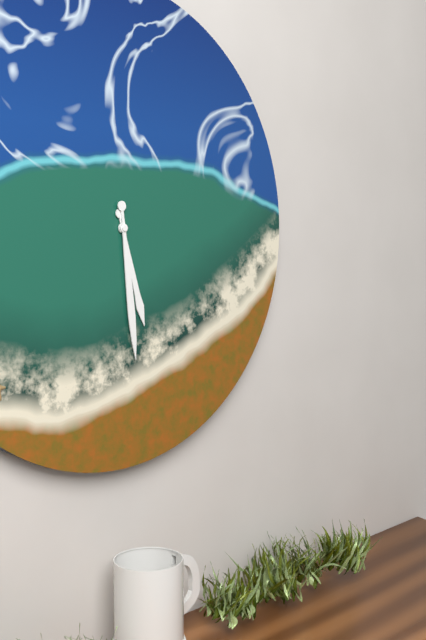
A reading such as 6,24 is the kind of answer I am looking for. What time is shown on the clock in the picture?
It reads 5,29
